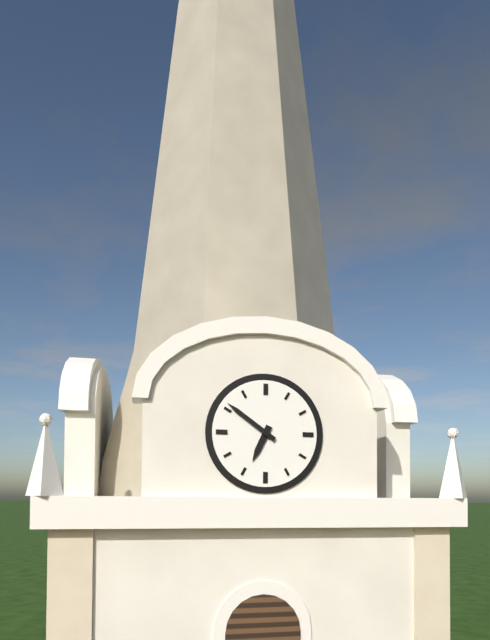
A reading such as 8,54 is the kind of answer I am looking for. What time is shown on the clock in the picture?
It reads 6,51
